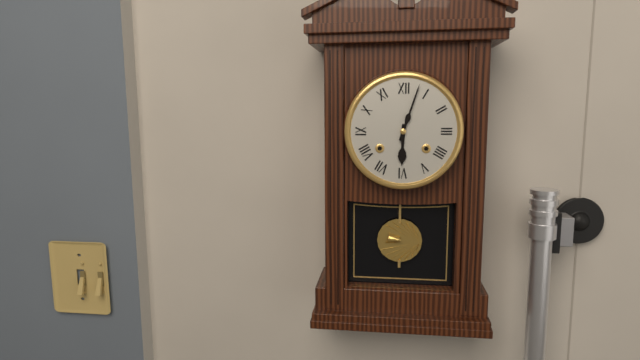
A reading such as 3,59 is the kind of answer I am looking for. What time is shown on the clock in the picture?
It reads 6,03
